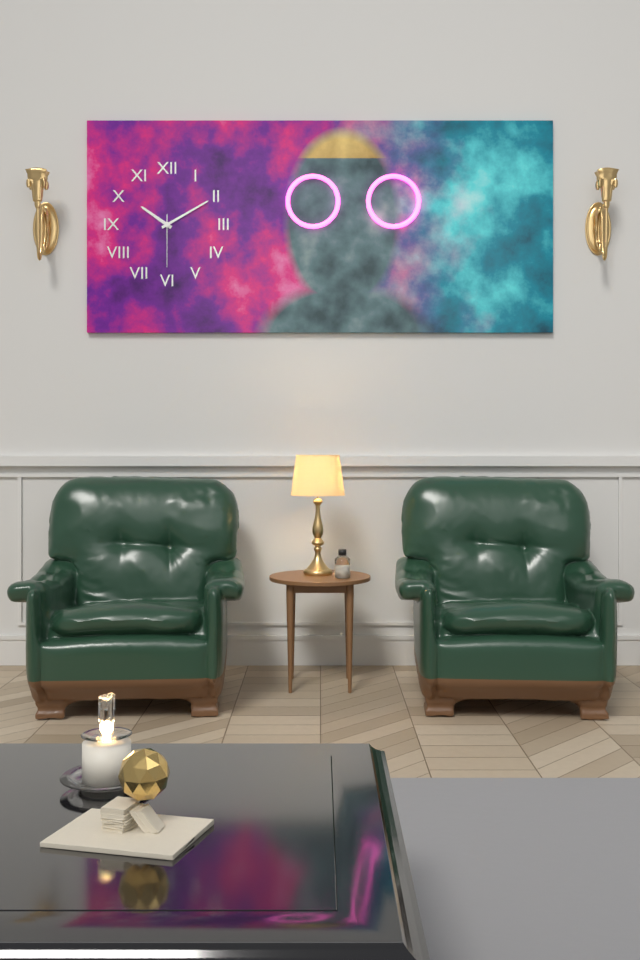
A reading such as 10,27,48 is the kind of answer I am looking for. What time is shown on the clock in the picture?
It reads 10,10,30
